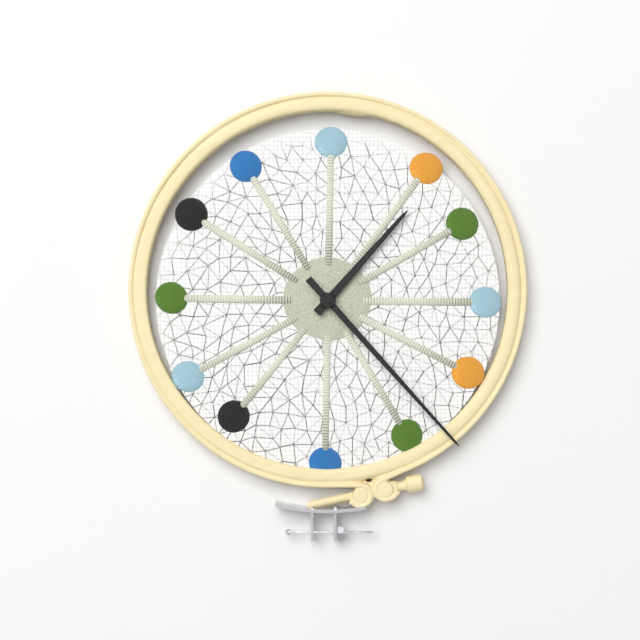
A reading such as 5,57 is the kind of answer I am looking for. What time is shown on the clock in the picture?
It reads 1,23
